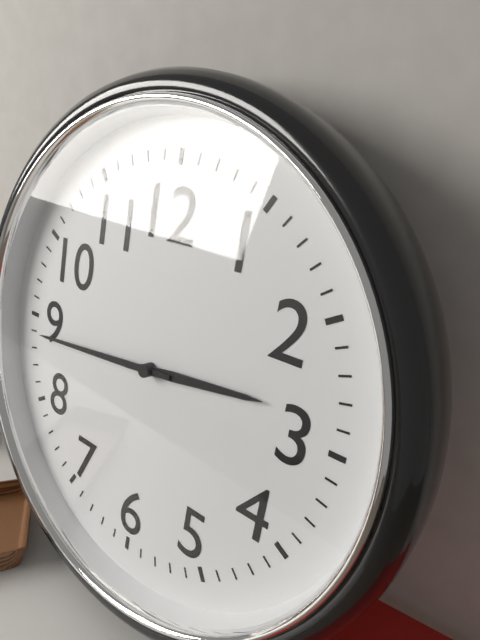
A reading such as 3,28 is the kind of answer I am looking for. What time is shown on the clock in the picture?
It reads 2,44
